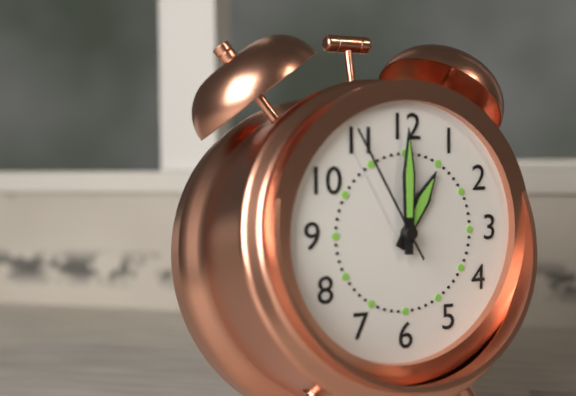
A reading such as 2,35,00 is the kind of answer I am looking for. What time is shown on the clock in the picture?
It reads 1,00,55
